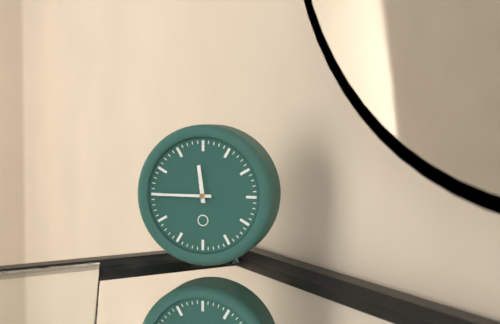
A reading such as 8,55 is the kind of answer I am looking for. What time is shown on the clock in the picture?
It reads 11,45
